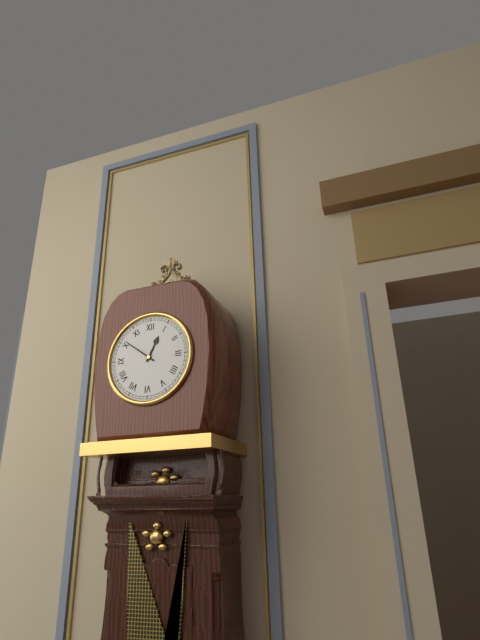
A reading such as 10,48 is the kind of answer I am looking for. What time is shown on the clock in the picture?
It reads 12,51
